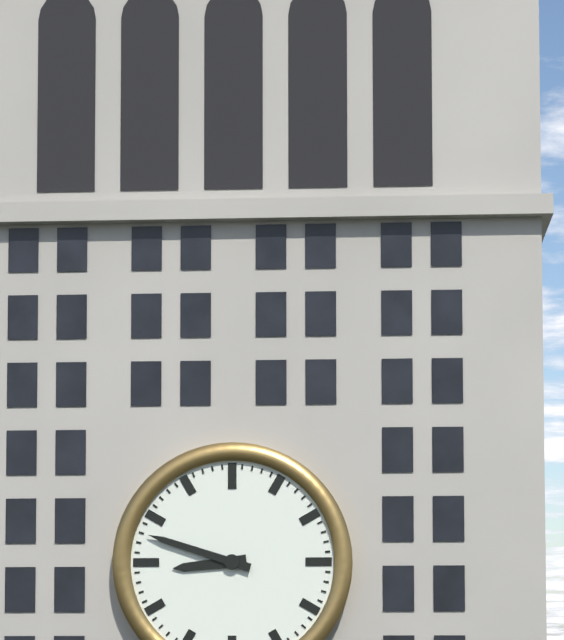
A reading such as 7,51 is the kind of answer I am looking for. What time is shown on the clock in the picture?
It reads 8,48
